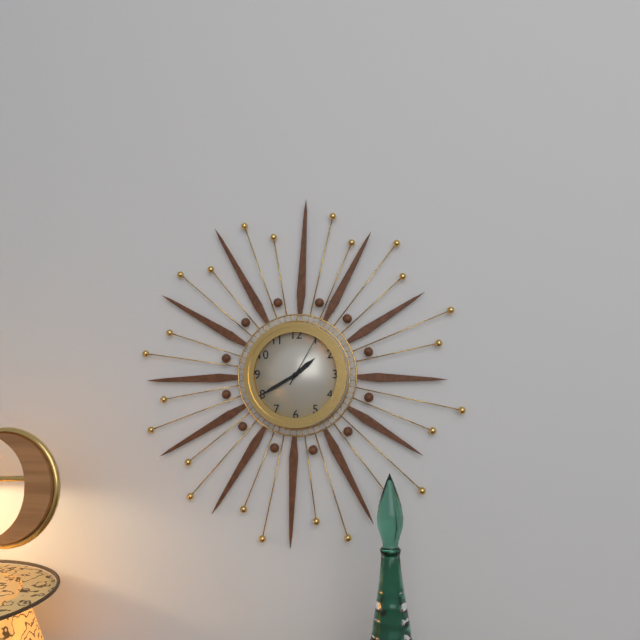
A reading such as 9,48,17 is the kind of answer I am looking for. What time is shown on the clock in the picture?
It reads 1,40,05
